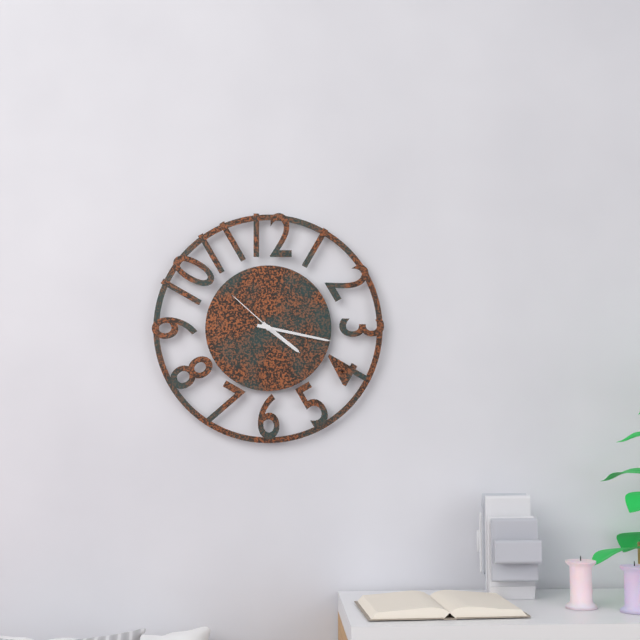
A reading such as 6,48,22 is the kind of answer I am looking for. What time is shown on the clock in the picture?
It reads 4,17,52
